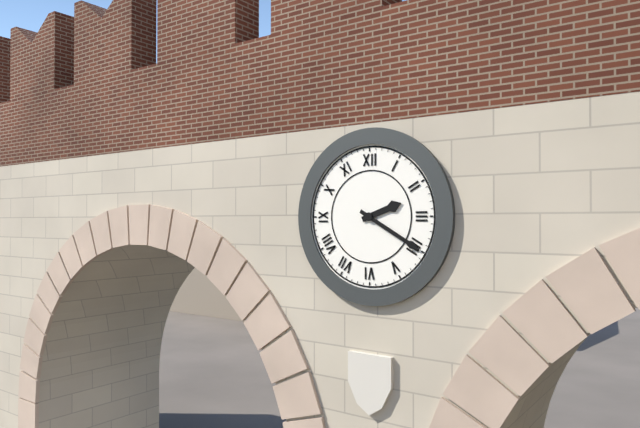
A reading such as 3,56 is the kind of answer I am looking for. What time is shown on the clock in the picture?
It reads 2,20
